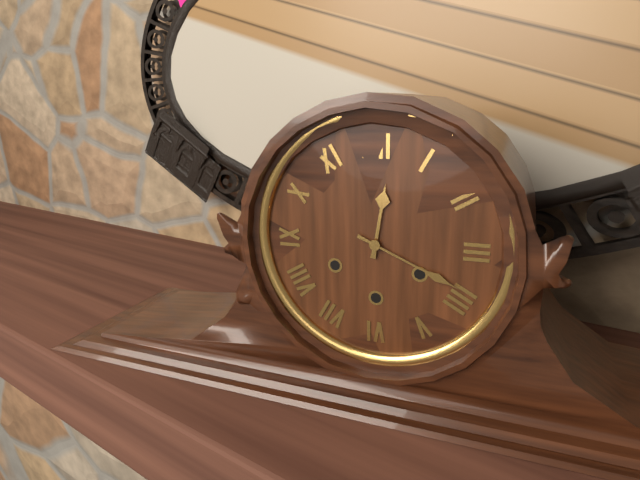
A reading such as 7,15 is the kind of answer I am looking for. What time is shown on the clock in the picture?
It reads 12,19
